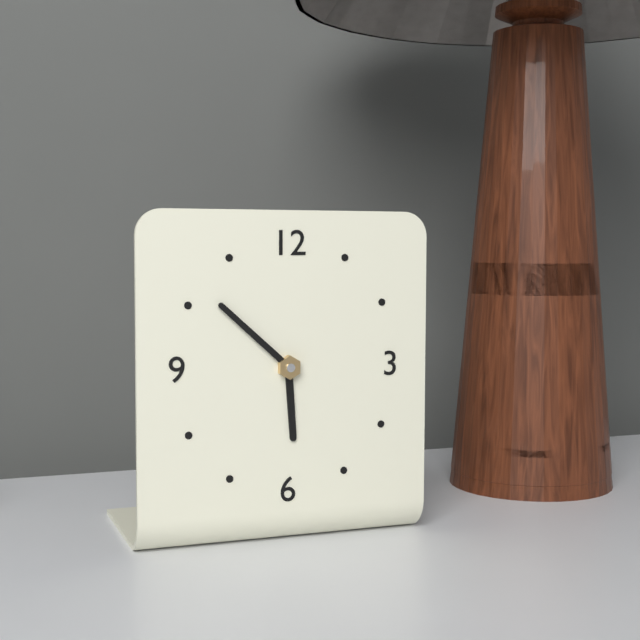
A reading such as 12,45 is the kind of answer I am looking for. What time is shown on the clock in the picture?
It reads 5,52
